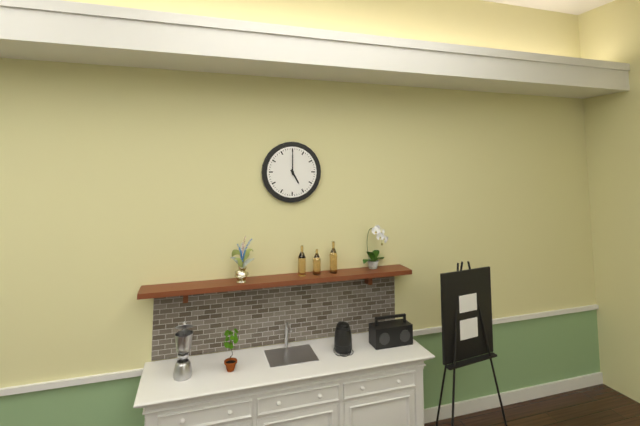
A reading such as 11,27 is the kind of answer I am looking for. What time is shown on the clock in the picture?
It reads 5,00
